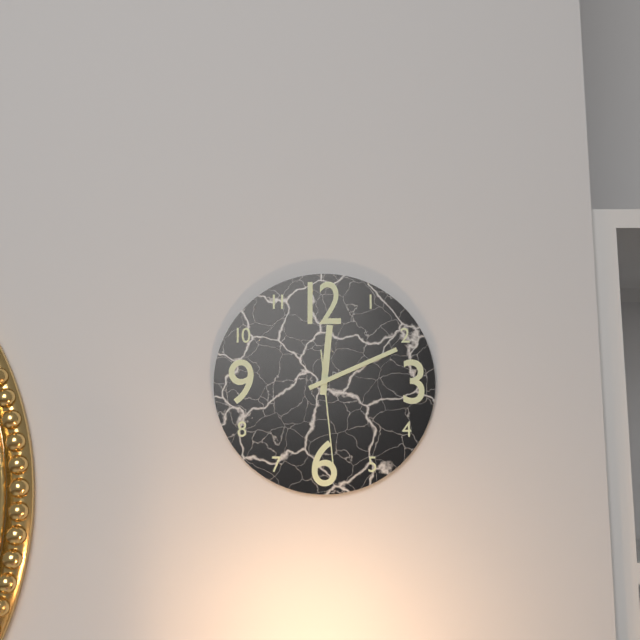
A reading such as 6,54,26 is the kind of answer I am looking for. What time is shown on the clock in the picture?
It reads 12,11,29
